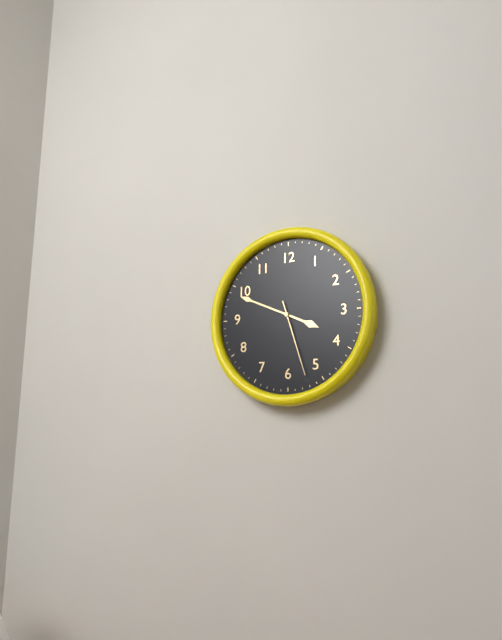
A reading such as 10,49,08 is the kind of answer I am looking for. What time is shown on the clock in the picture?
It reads 3,49,27
